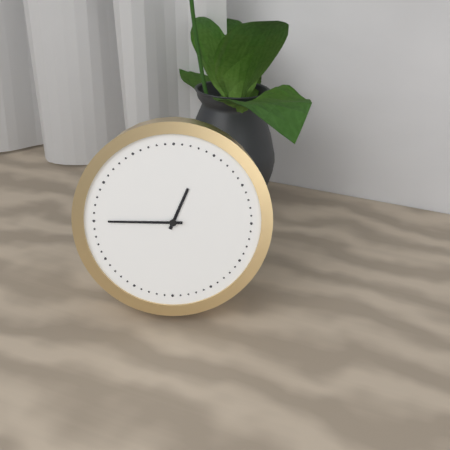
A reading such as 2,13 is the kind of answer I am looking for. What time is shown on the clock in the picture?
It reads 12,45
